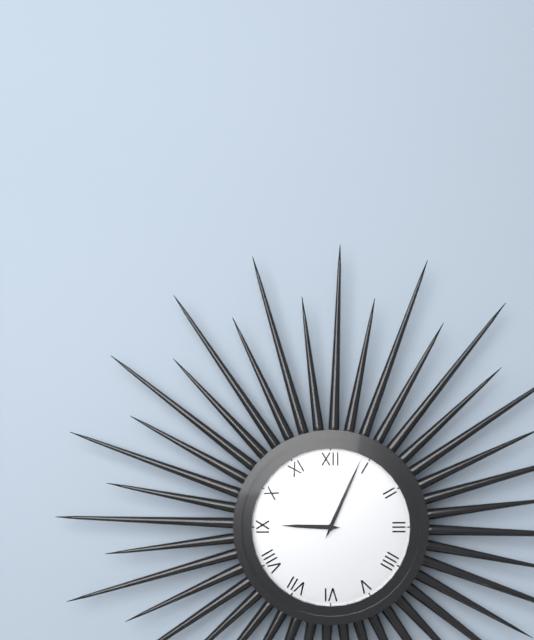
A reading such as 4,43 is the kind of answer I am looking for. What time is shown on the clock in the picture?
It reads 9,04
